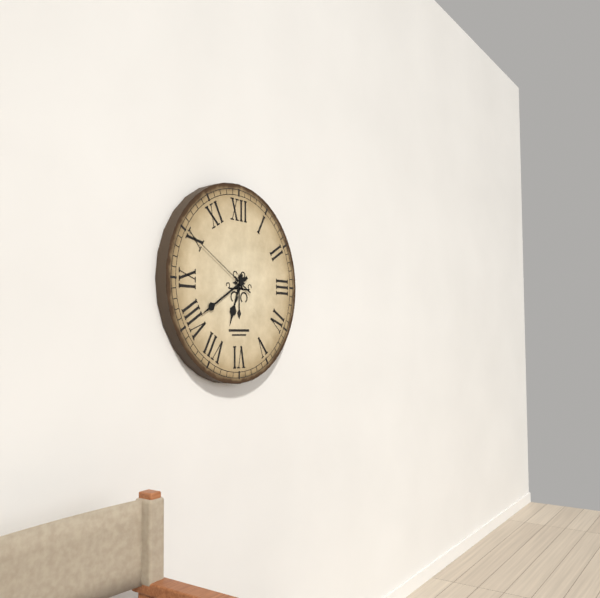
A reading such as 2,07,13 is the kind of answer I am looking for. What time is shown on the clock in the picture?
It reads 6,40,50
